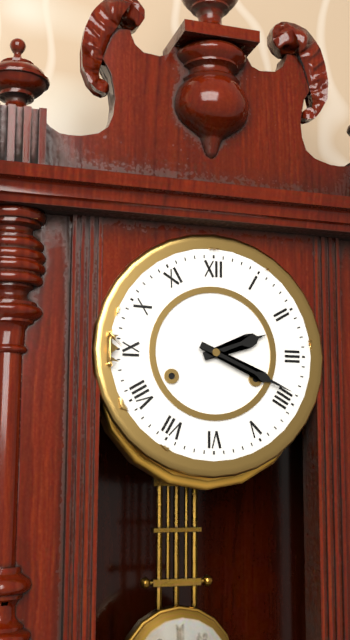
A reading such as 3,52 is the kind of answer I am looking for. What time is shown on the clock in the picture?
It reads 2,19
